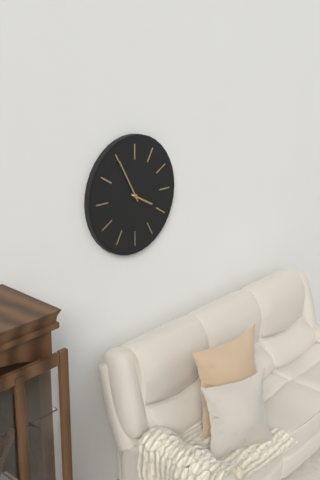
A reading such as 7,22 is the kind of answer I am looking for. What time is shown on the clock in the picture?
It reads 3,55
